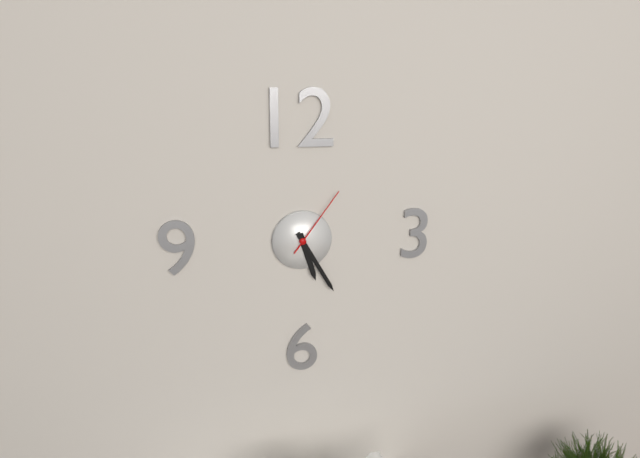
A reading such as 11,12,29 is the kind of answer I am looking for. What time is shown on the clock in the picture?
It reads 5,25,06
